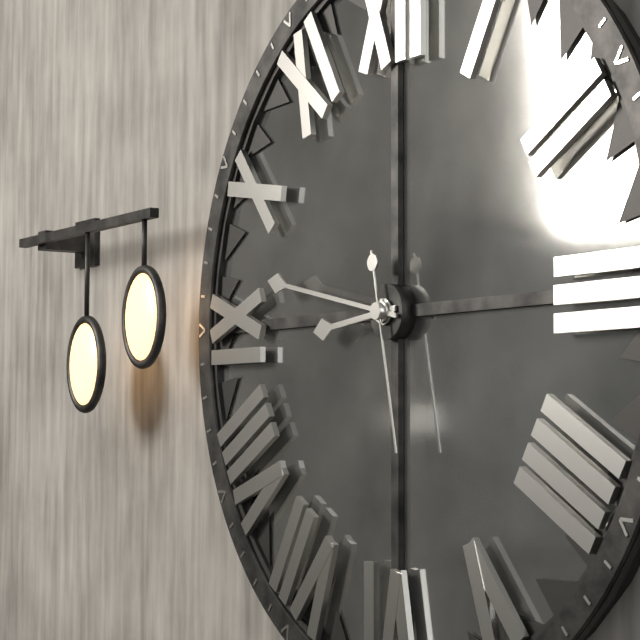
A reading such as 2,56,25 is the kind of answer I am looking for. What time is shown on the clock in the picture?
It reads 8,47,28
